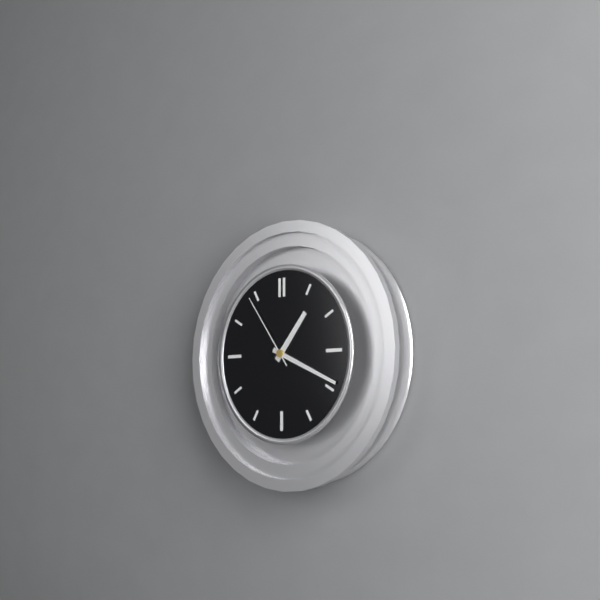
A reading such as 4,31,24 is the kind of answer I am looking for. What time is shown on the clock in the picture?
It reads 1,19,54
